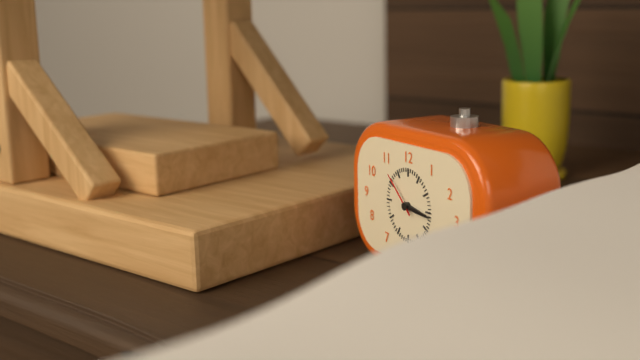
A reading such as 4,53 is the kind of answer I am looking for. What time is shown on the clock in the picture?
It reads 3,16
